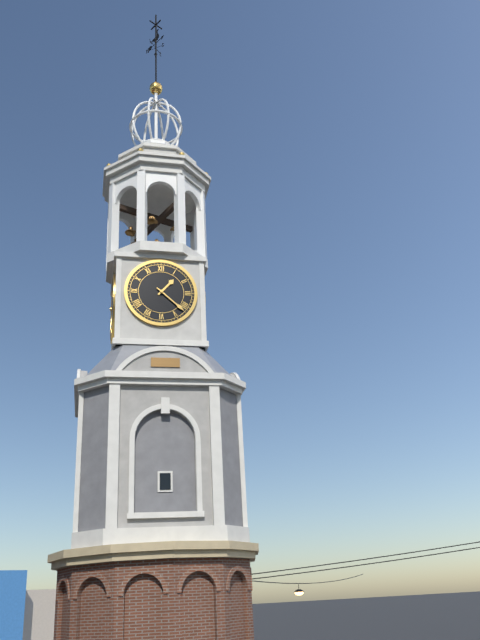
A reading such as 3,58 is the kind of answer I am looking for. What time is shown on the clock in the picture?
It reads 1,22
